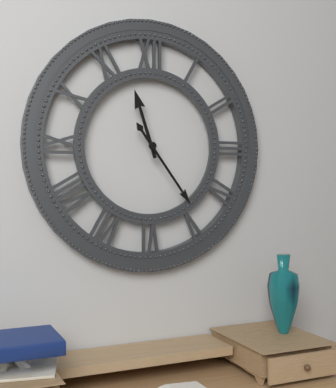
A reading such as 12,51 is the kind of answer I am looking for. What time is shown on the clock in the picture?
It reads 11,24
